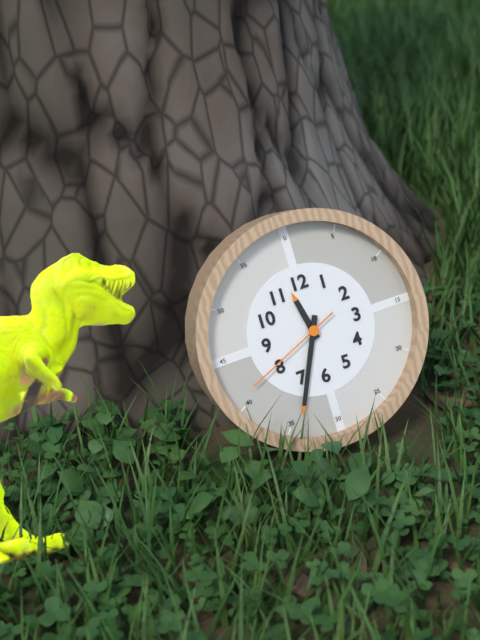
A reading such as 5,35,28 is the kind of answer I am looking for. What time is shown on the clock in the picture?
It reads 11,34,41
